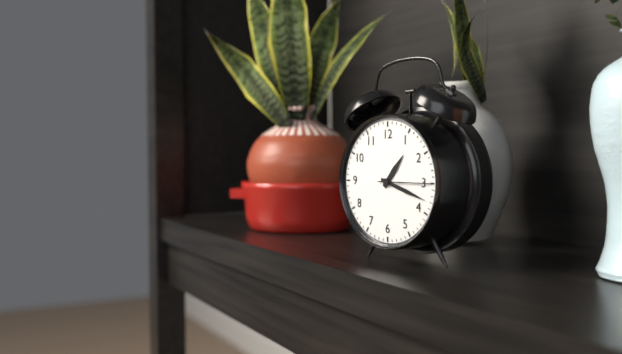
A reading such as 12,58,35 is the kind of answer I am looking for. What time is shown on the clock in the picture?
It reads 1,18,15
